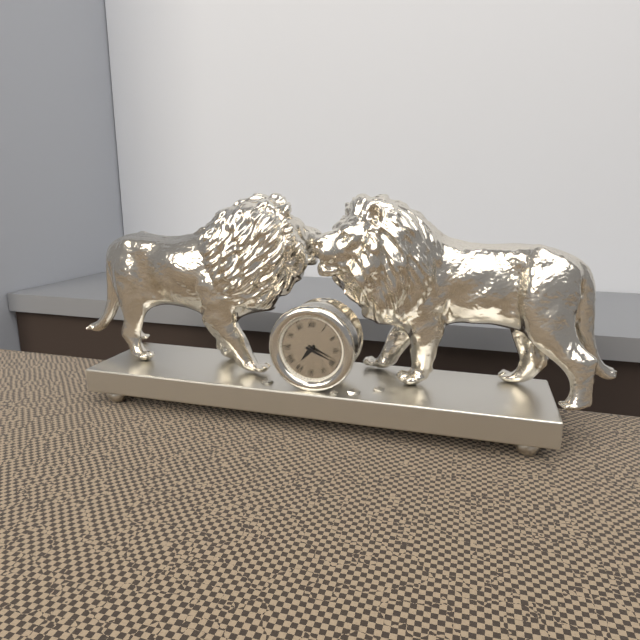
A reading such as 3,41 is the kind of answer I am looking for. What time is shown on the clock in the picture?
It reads 7,19
